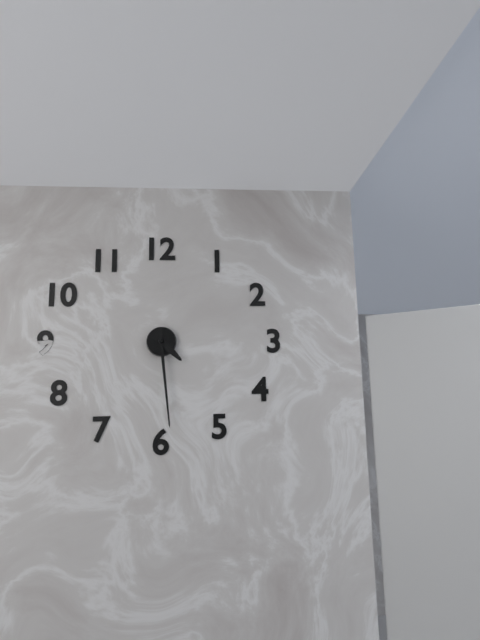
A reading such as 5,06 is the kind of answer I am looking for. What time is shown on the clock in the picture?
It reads 4,29
